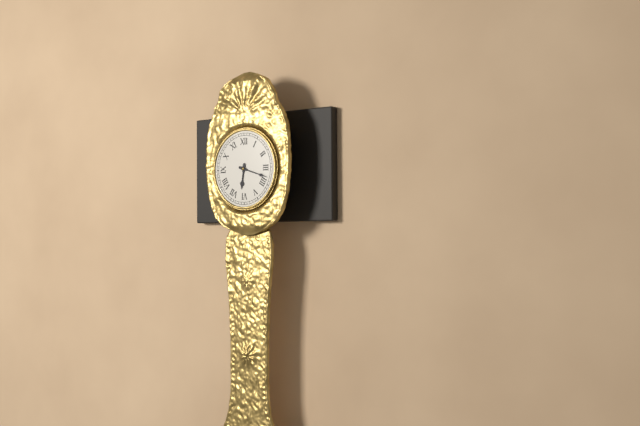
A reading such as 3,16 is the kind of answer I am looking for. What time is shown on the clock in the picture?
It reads 6,18
